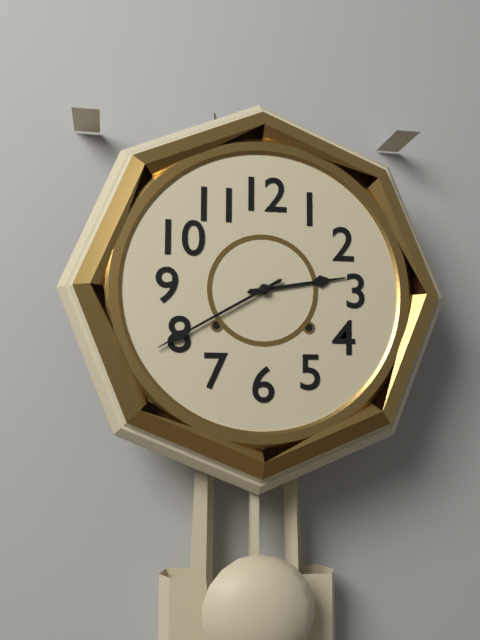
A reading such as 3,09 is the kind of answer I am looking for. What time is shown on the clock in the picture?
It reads 2,40
